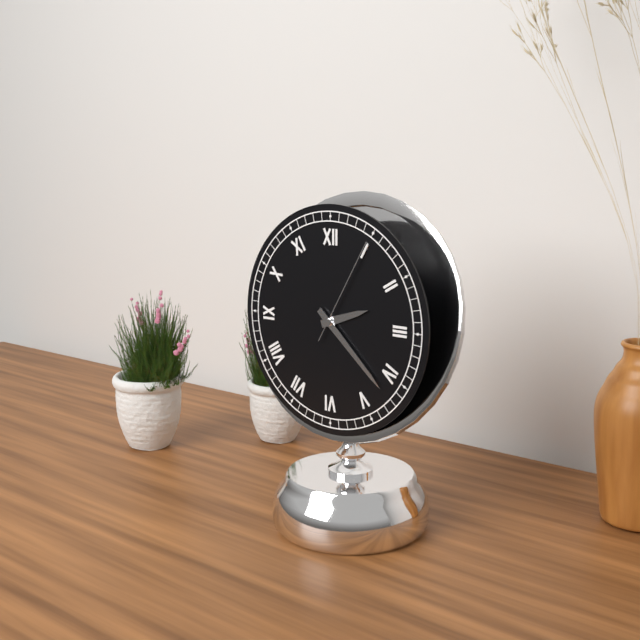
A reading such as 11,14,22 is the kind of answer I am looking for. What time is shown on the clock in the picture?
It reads 2,22,05
